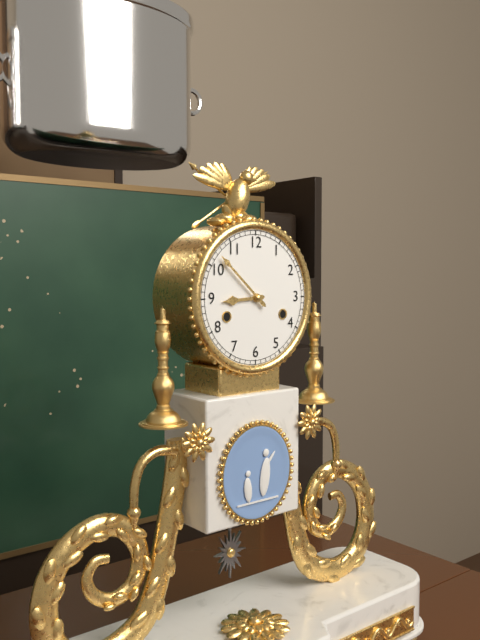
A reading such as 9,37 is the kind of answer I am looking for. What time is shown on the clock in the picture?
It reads 8,52
